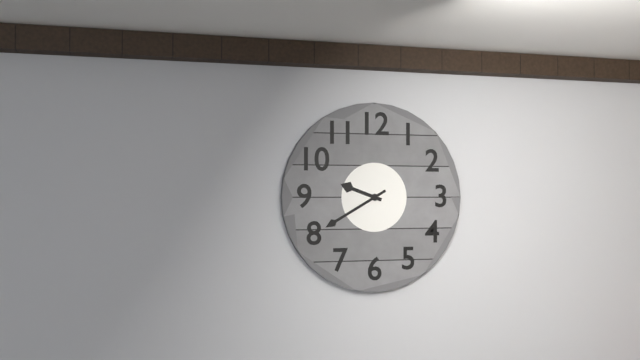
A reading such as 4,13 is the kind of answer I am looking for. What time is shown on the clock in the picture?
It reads 9,40
